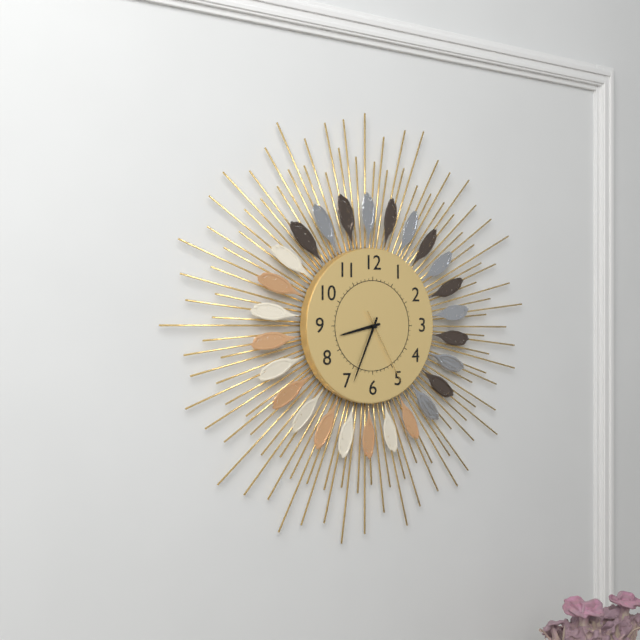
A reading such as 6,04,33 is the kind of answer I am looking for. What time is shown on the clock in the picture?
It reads 8,34,25
